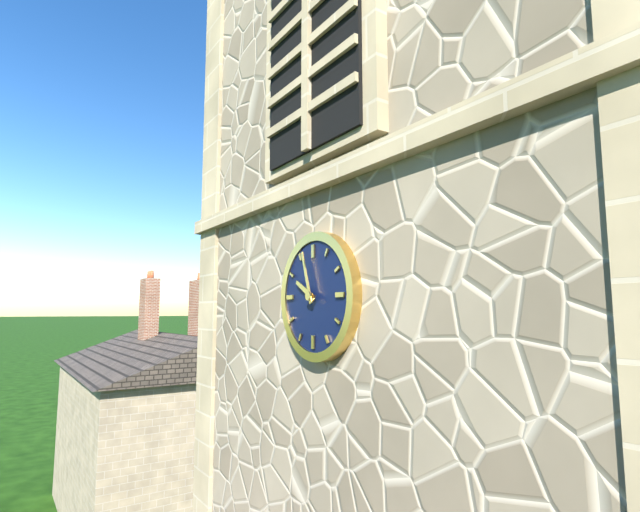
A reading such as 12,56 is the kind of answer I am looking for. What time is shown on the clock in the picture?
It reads 9,57
